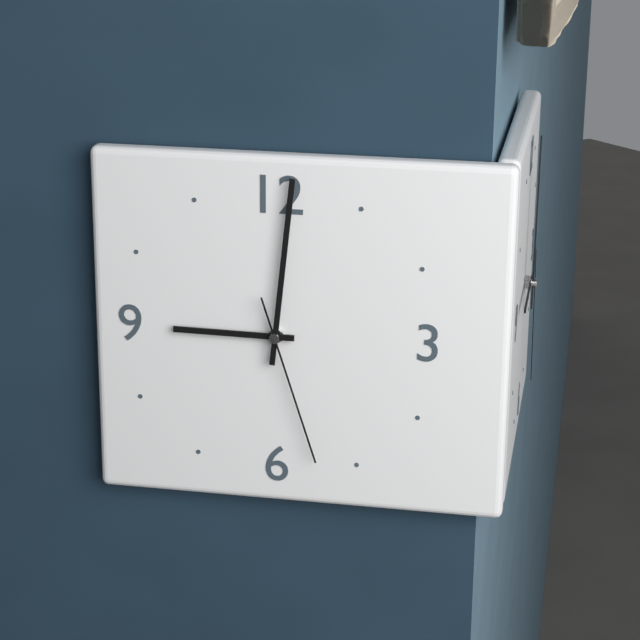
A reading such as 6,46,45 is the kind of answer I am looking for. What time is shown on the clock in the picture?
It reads 9,01,27
